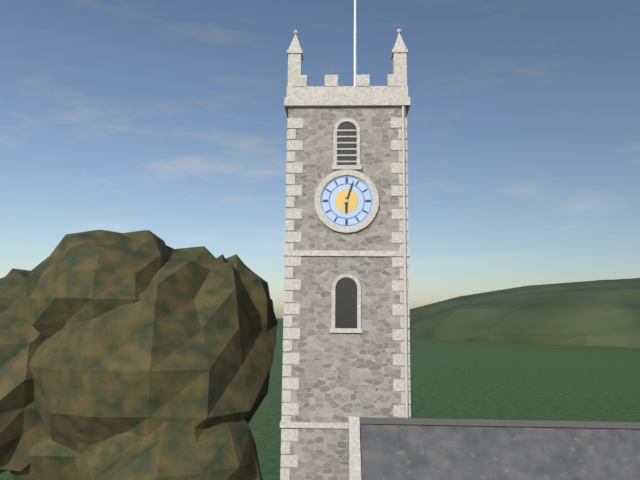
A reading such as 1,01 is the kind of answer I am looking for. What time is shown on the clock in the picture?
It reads 6,03
